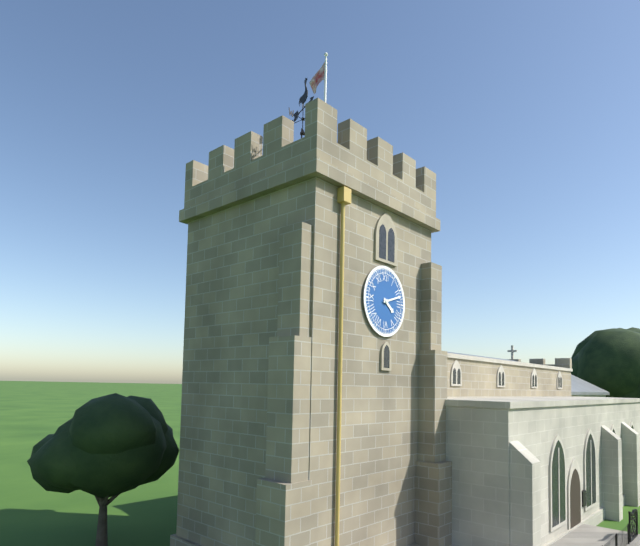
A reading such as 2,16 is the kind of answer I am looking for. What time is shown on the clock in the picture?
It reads 4,12
